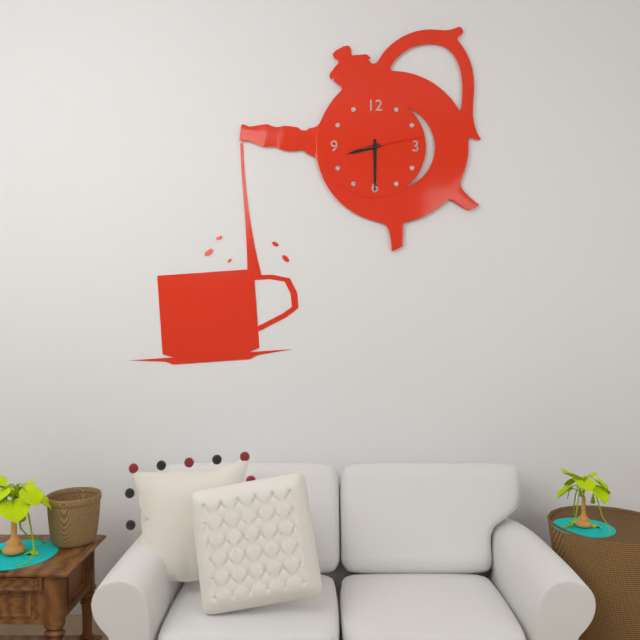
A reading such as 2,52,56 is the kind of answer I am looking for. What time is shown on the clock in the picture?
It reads 8,30,13
